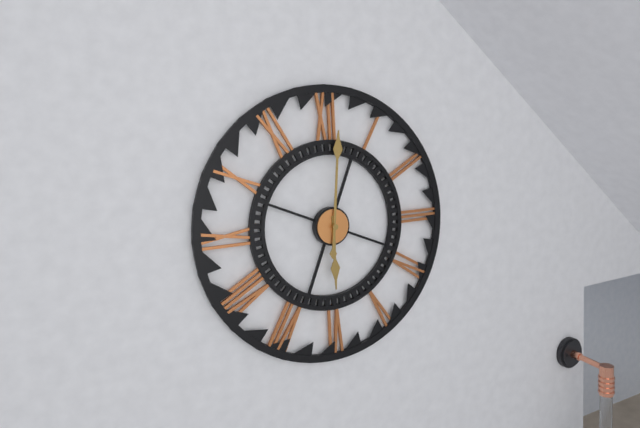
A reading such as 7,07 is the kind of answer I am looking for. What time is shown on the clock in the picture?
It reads 6,01
